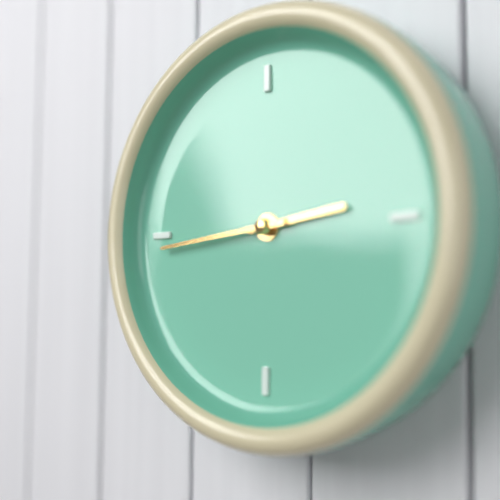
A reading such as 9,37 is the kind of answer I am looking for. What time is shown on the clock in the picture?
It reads 2,44
